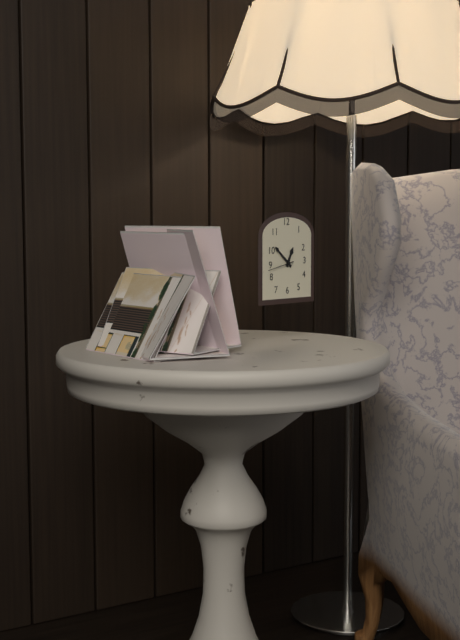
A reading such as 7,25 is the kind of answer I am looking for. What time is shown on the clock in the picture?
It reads 12,52
